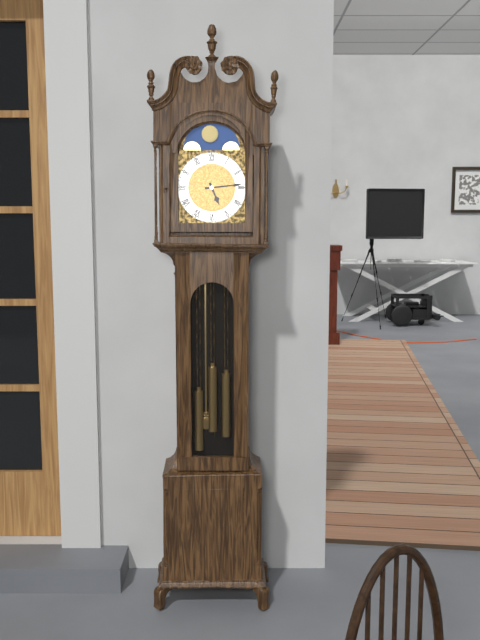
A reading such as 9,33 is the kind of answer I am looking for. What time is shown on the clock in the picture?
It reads 5,14
